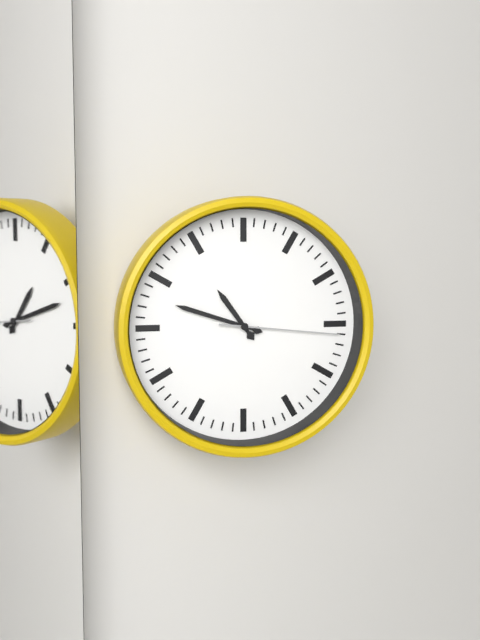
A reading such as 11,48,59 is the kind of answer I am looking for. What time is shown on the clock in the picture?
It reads 10,48,16
